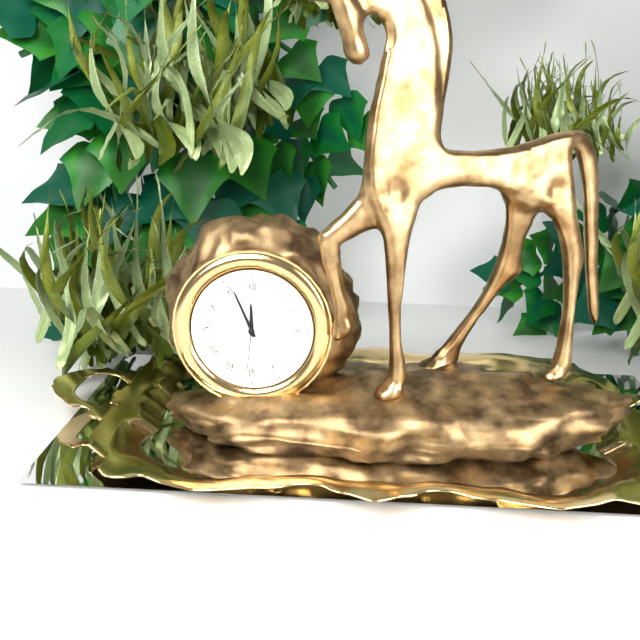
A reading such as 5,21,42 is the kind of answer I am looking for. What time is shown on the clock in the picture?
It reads 11,56,31
